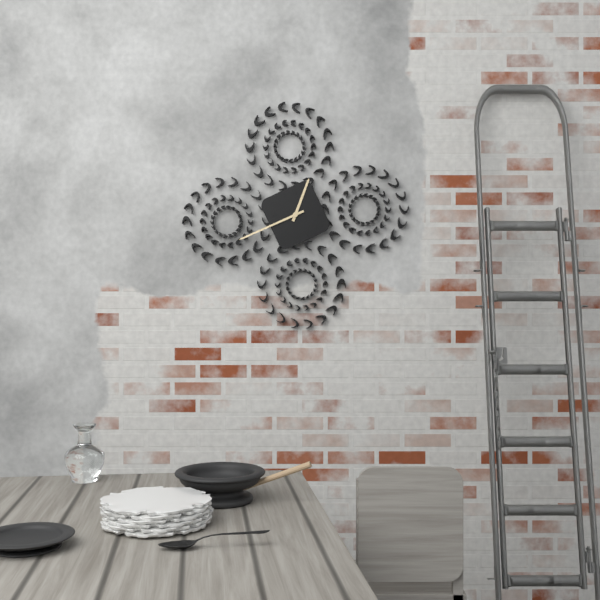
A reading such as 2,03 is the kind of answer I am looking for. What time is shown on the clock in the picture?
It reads 12,41
